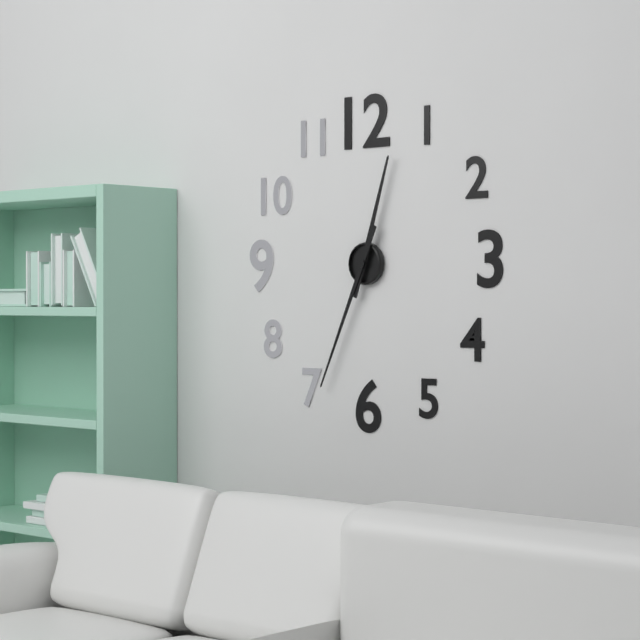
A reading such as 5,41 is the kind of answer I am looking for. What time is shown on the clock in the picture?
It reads 12,34
